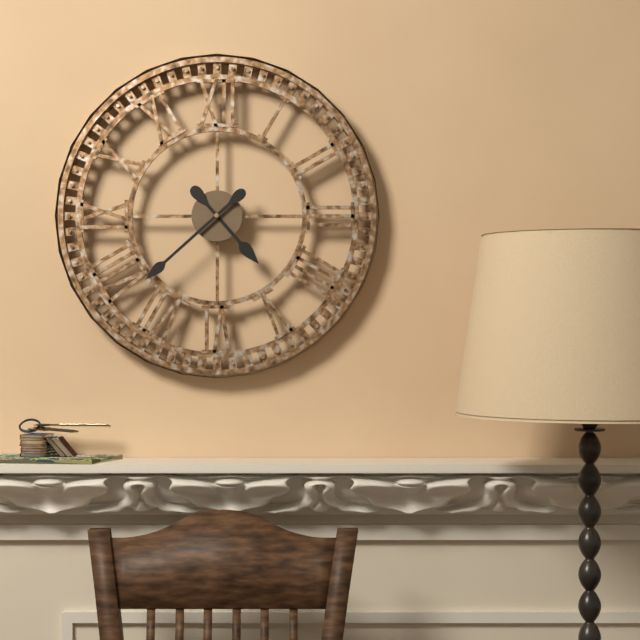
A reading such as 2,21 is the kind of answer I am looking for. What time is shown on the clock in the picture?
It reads 4,38
